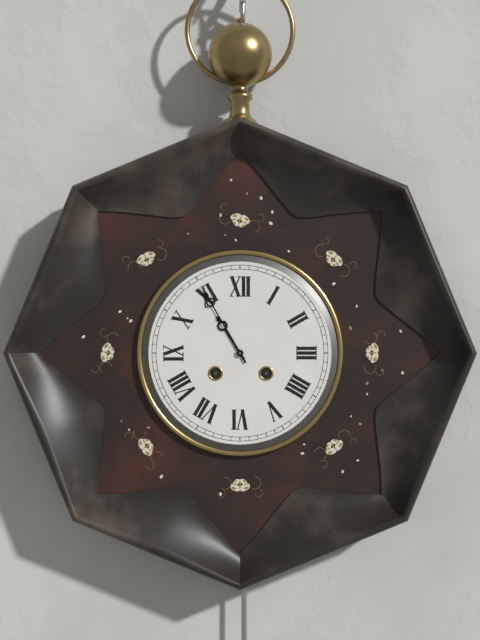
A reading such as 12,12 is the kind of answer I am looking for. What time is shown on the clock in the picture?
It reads 10,55
